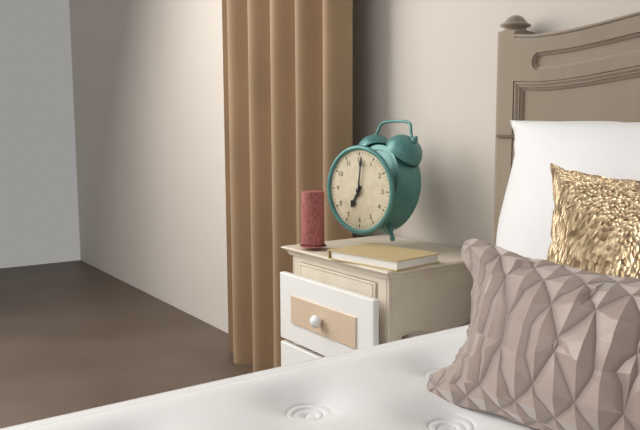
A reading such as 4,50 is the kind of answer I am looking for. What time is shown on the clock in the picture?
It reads 7,01
